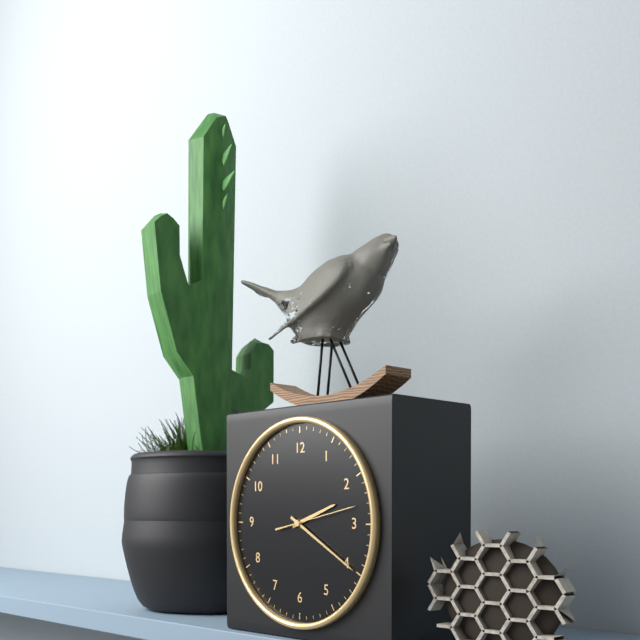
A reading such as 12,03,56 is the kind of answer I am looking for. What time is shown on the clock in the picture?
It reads 2,20,13
